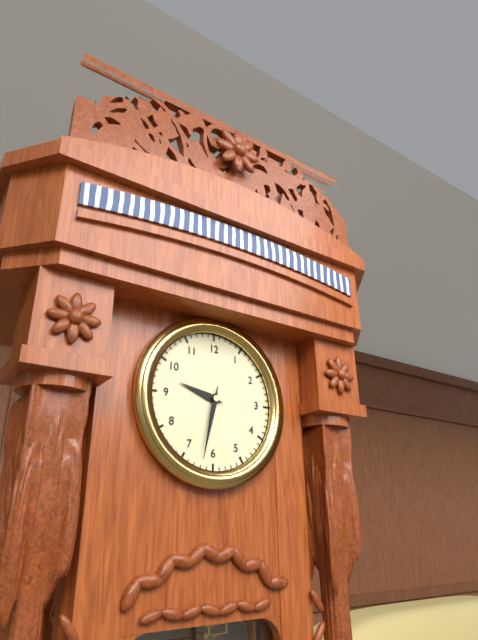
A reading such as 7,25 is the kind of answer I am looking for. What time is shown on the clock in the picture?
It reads 9,32
